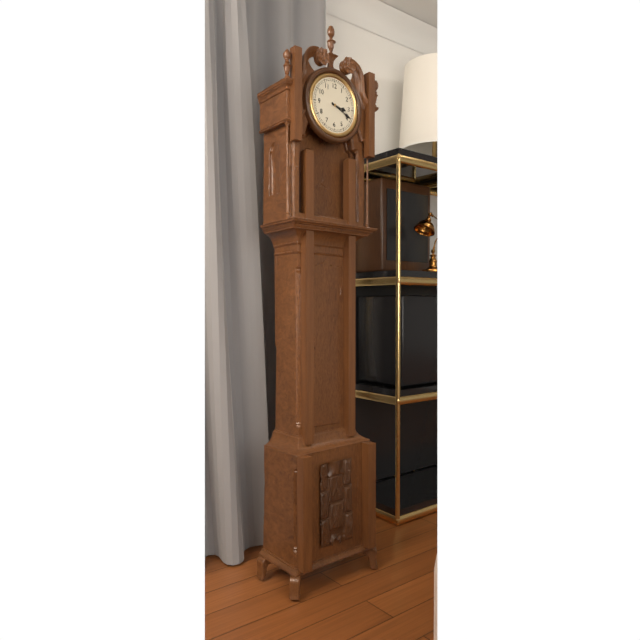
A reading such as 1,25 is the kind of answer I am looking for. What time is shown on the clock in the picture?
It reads 3,19
